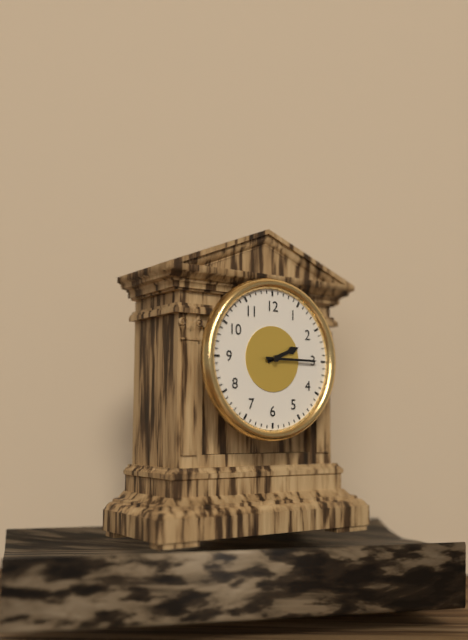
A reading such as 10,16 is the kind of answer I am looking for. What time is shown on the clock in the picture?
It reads 2,15
